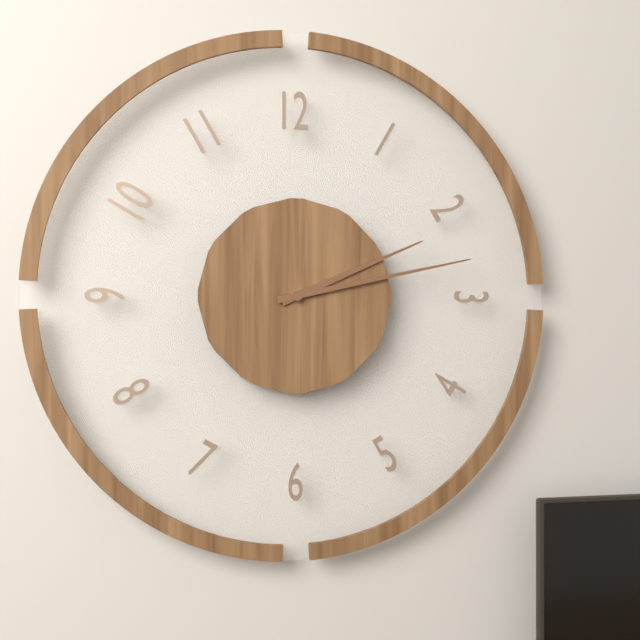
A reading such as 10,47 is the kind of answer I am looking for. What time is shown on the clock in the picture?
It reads 2,13
